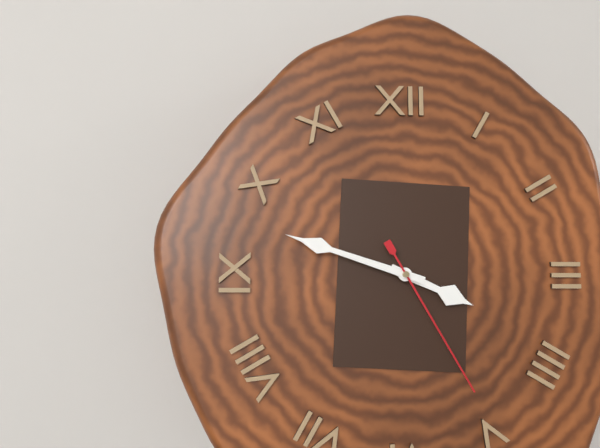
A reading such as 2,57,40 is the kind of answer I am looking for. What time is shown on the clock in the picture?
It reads 3,48,25
